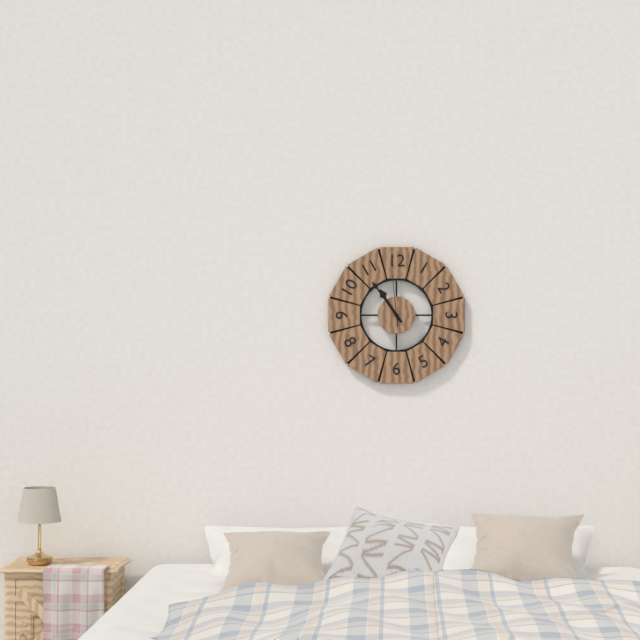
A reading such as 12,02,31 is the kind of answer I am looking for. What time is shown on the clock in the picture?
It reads 10,54,59
